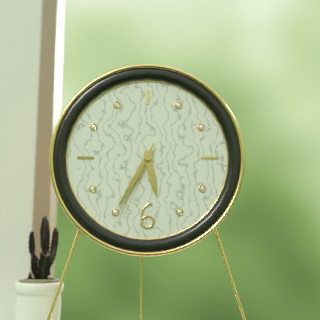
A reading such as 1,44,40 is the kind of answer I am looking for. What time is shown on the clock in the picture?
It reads 5,35,34
